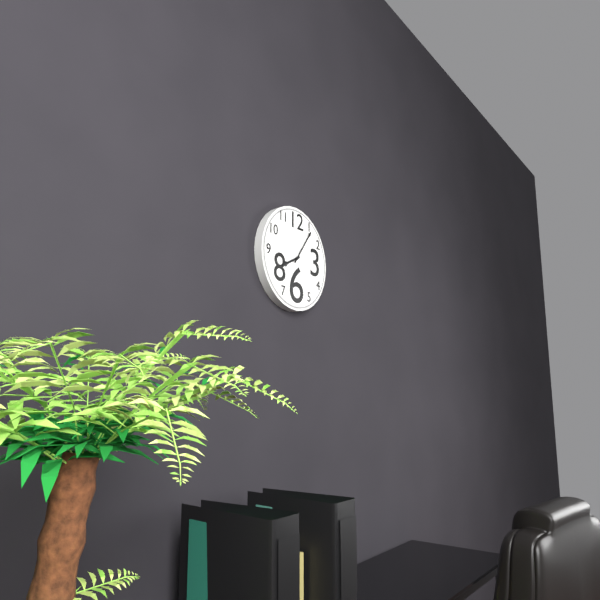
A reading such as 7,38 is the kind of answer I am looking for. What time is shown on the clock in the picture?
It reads 8,06
